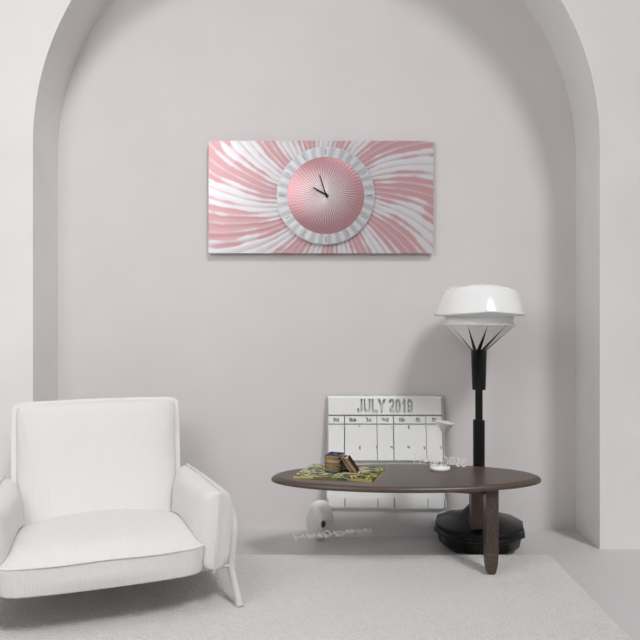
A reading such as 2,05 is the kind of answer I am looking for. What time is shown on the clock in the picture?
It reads 9,57
